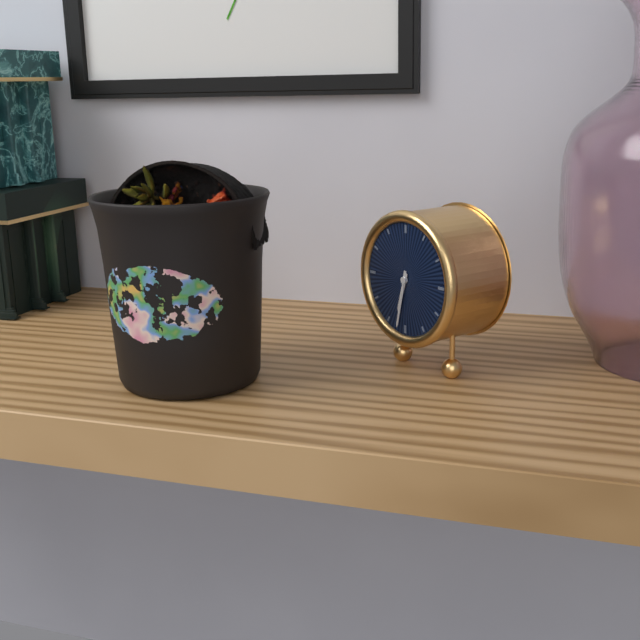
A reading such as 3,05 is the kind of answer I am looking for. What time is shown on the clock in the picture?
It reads 6,32
